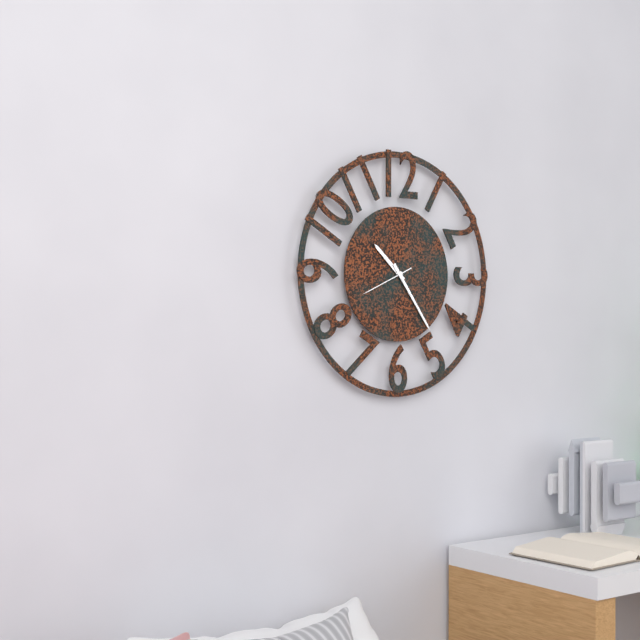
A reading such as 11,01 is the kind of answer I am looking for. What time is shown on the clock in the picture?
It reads 10,24
